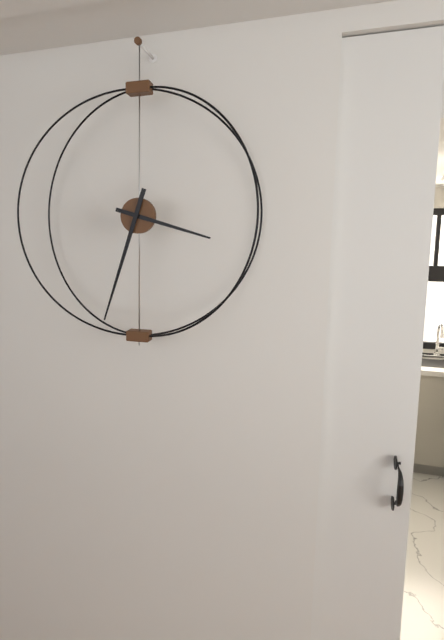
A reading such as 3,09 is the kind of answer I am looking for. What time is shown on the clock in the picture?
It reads 3,33
